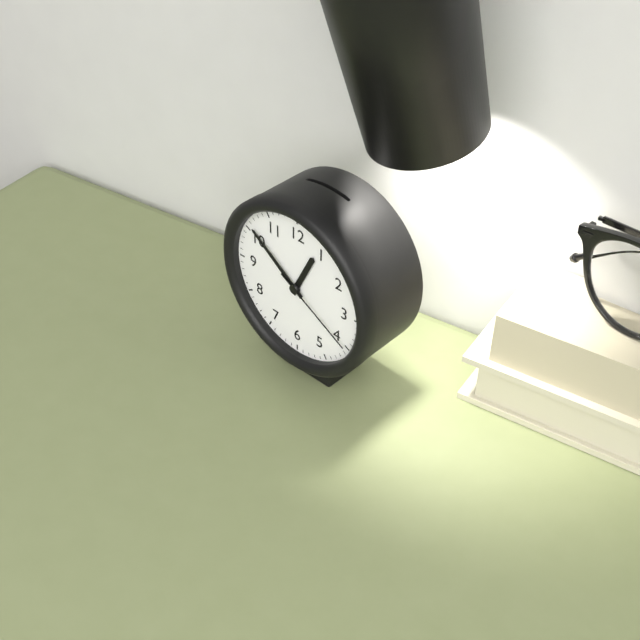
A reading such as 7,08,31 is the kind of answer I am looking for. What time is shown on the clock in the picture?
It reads 12,51,20
